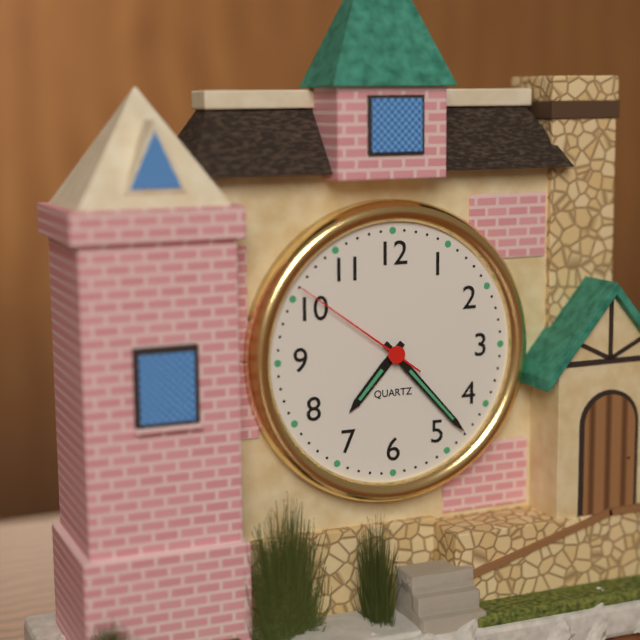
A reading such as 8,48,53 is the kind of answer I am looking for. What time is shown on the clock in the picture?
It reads 7,23,51
